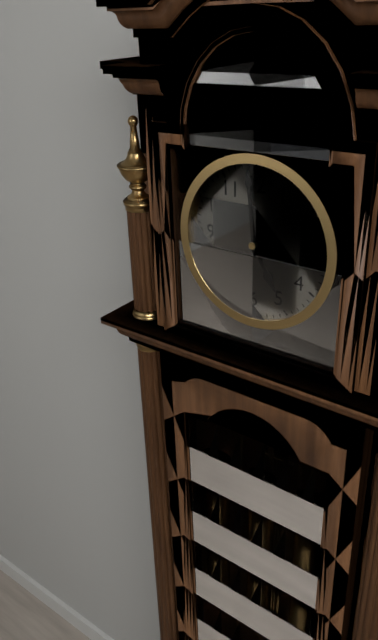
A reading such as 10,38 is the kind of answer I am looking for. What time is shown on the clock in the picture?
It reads 4,59
